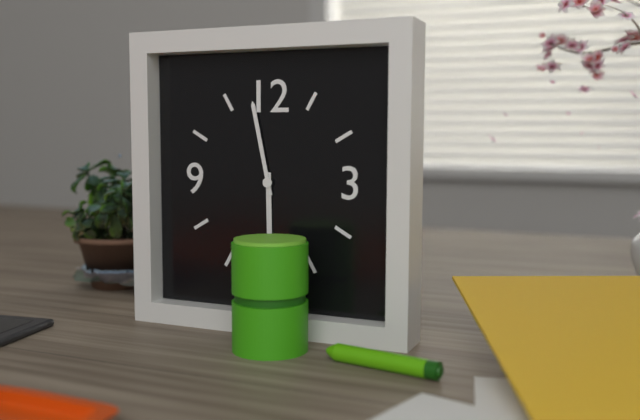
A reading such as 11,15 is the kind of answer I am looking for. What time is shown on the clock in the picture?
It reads 5,58
